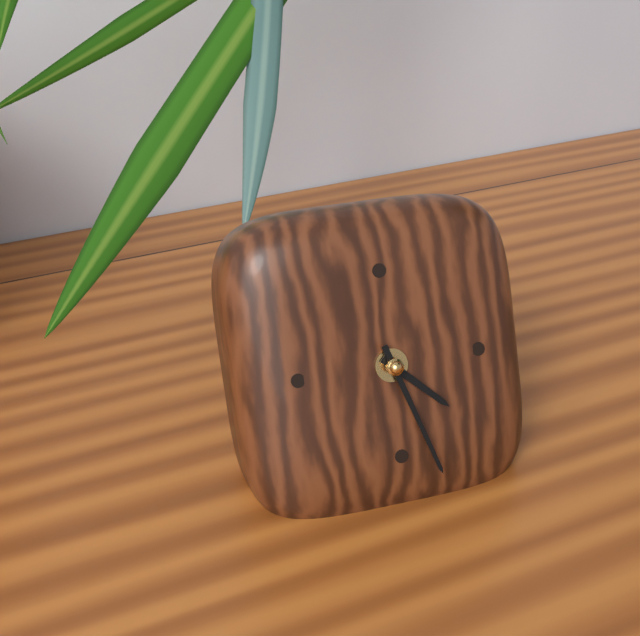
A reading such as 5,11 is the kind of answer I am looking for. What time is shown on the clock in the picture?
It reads 4,27
